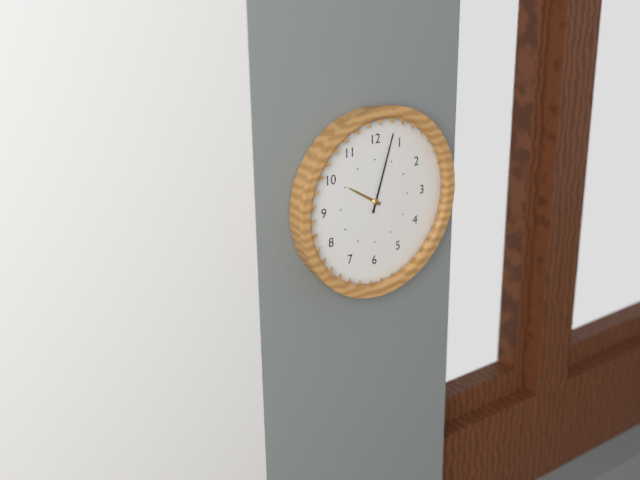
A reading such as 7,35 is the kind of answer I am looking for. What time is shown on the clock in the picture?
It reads 10,03
